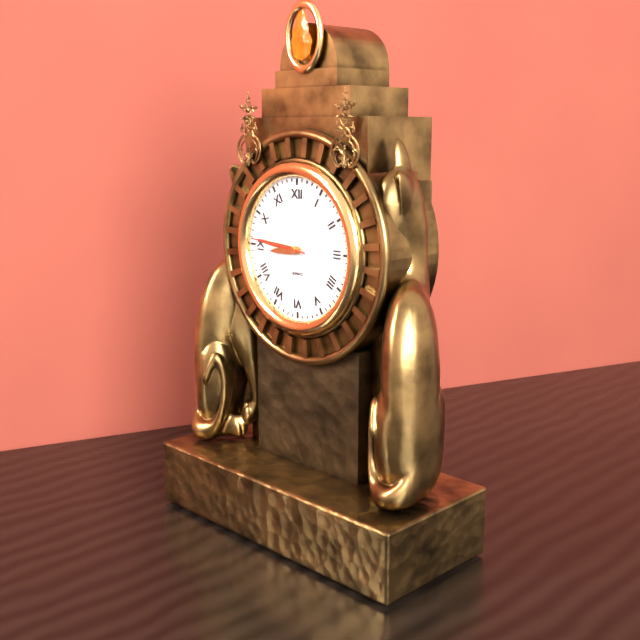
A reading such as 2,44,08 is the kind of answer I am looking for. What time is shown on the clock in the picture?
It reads 8,46,46
